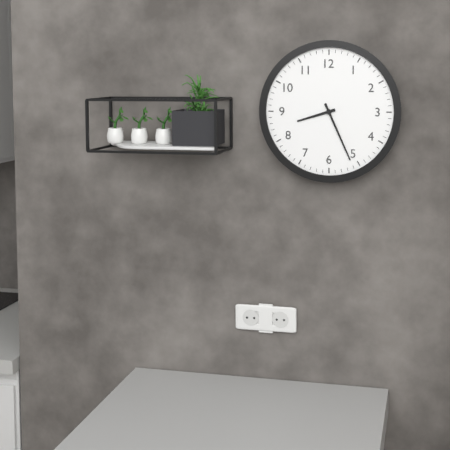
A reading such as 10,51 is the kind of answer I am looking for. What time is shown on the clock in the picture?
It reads 8,26
